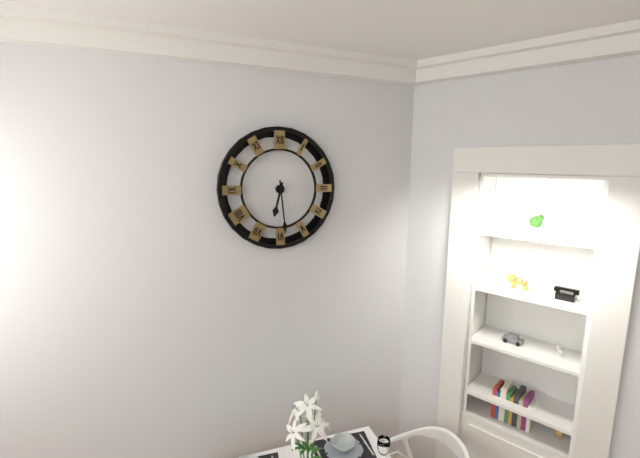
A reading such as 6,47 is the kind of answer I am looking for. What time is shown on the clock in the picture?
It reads 6,29
